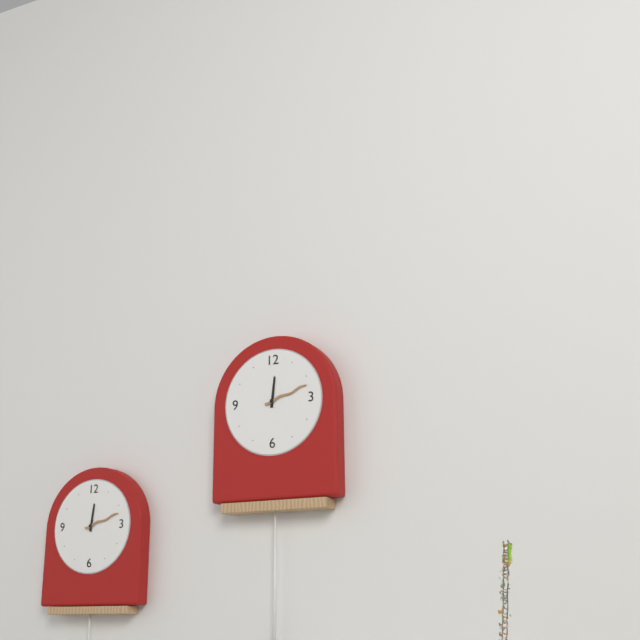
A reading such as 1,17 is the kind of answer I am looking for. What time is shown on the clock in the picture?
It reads 12,12
